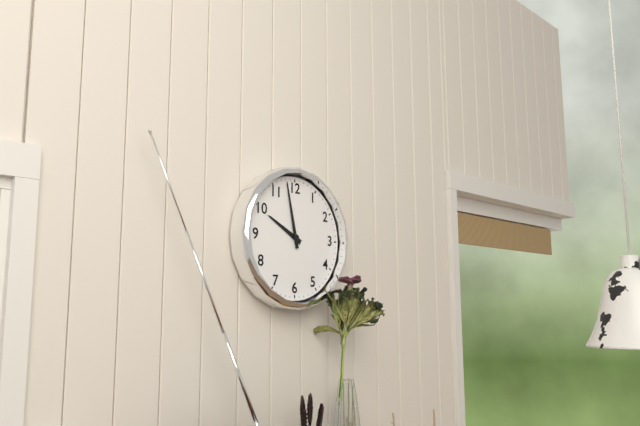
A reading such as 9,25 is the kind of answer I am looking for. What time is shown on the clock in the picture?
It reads 9,58
